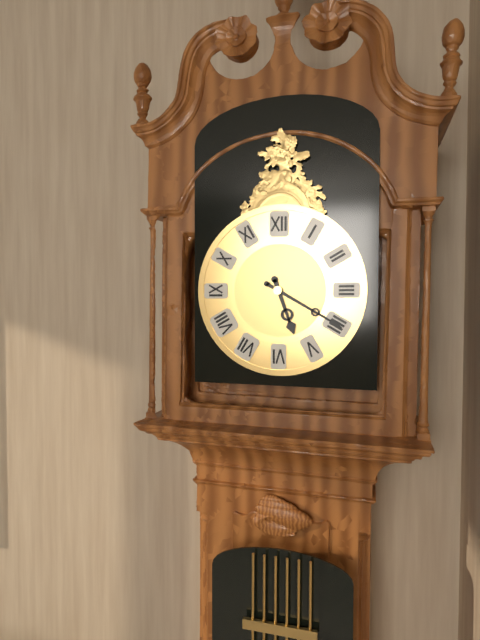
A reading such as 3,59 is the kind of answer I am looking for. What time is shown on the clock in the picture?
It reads 5,20
